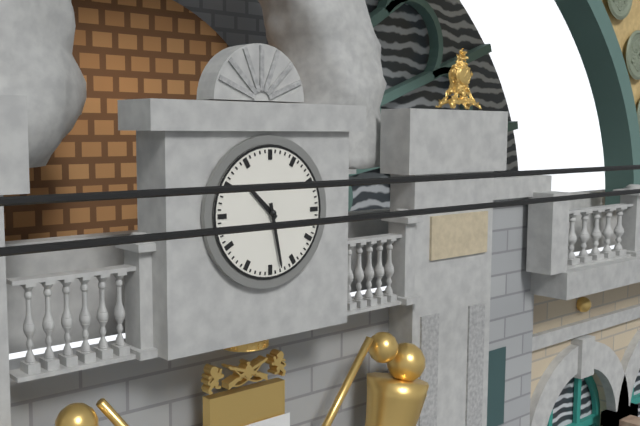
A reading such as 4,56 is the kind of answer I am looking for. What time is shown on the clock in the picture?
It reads 10,28
